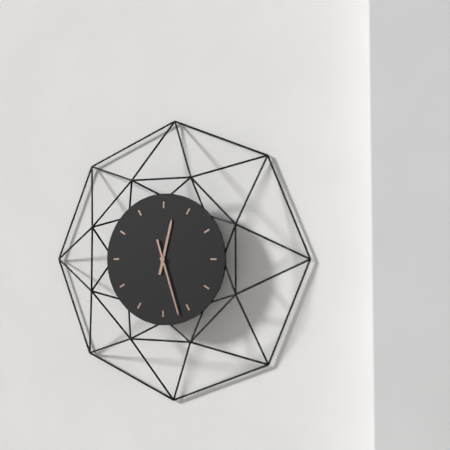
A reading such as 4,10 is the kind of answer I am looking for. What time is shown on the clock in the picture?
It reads 12,27
